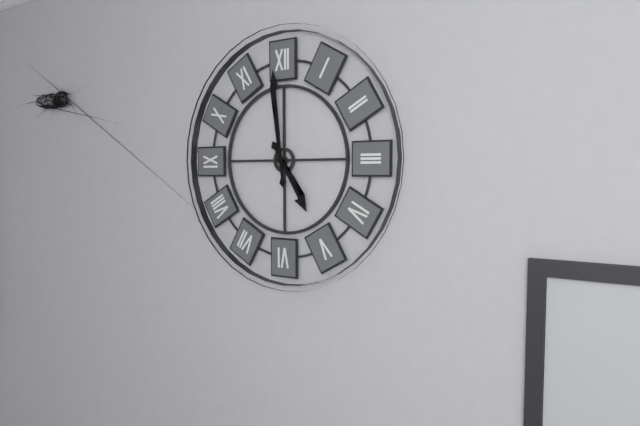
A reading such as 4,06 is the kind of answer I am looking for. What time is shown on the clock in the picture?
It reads 4,59
